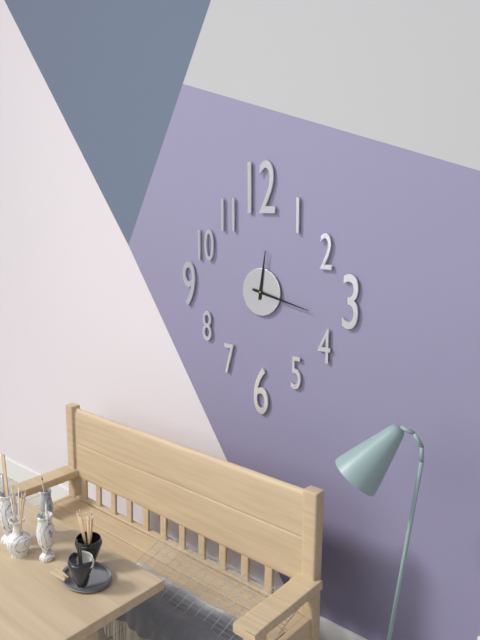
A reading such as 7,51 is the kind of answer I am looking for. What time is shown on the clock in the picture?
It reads 12,17
